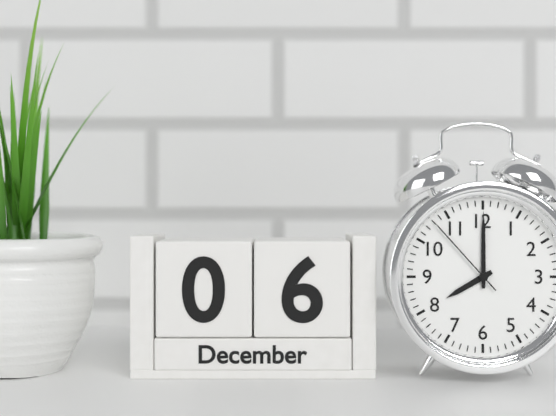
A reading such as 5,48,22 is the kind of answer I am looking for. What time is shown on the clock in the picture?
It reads 8,00,53
